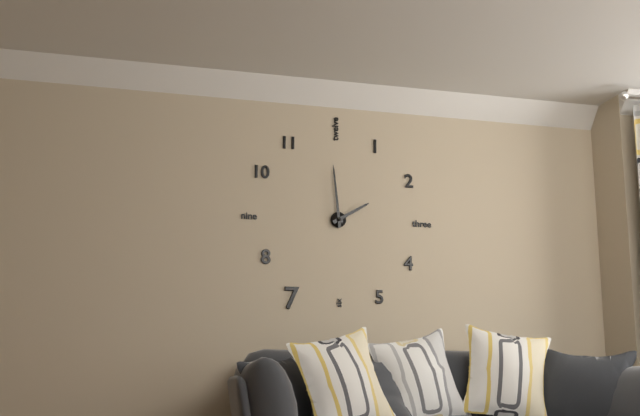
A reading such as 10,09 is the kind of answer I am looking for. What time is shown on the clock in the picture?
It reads 1,59
